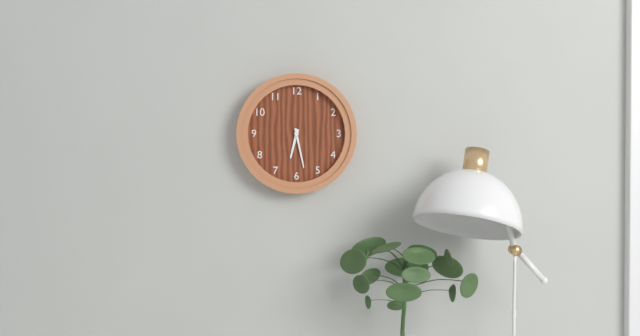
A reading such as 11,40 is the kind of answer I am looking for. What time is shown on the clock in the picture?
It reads 6,28
